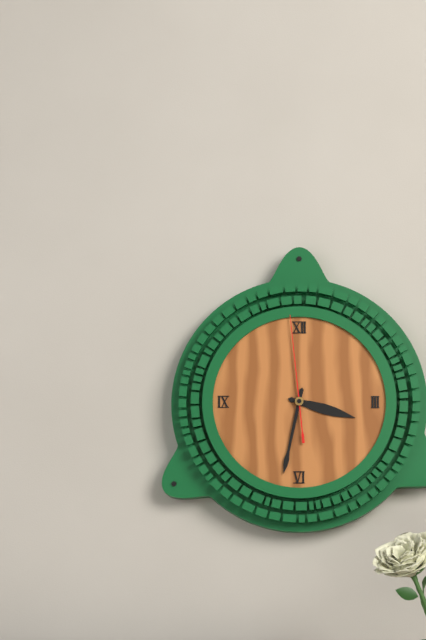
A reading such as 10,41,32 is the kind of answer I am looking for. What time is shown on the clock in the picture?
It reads 3,32,59
